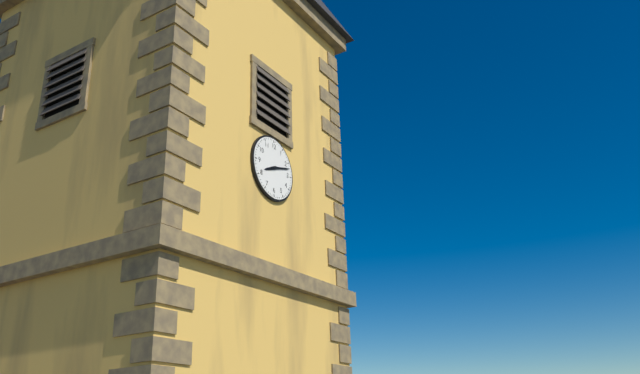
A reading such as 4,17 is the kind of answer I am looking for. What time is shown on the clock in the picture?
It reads 8,12
